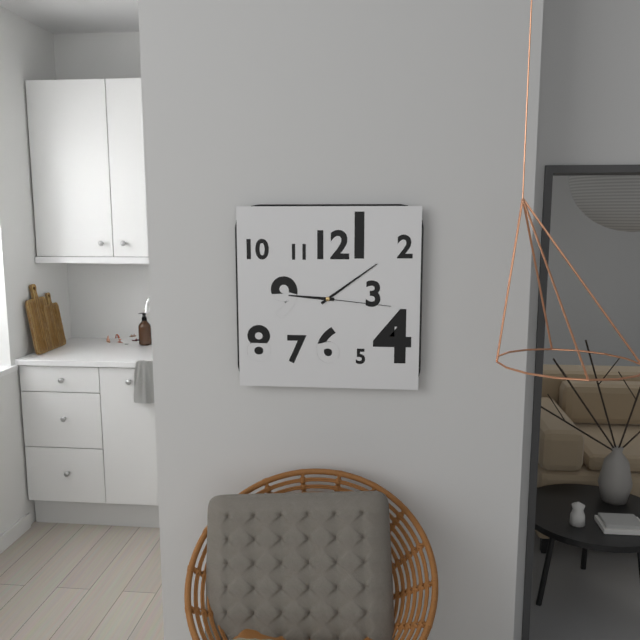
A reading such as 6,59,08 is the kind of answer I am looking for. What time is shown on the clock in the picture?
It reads 9,09,16
